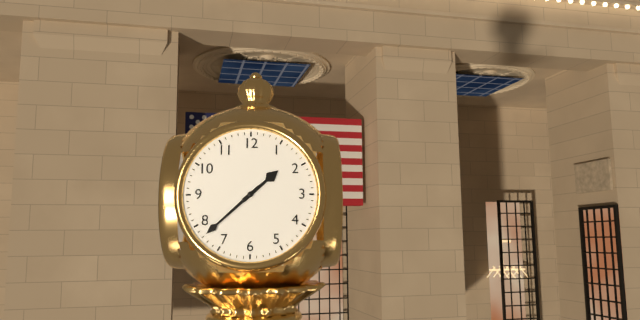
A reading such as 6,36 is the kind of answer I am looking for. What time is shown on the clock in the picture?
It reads 1,38
